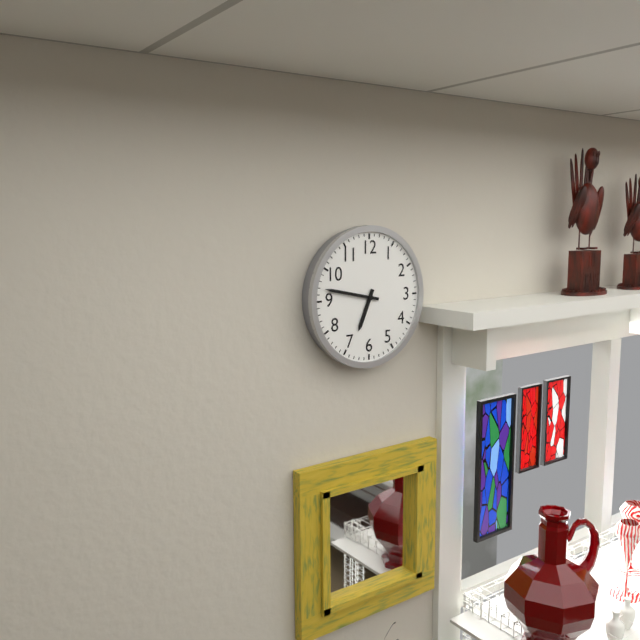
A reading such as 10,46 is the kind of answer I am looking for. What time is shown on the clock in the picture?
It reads 6,47
